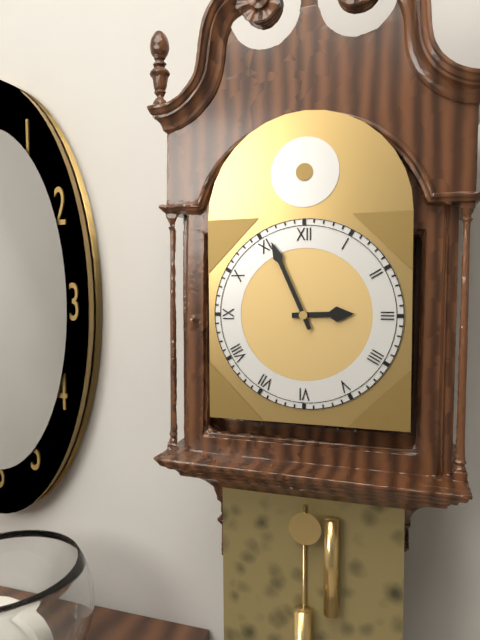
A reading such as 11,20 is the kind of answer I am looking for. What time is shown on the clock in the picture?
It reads 2,56
